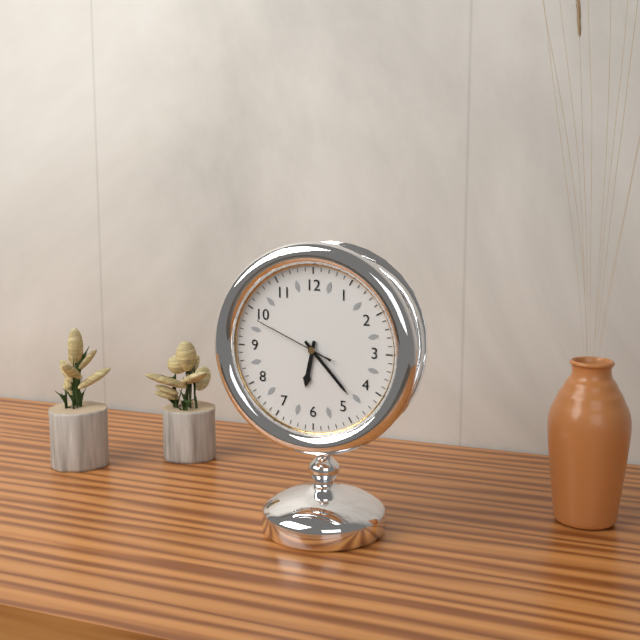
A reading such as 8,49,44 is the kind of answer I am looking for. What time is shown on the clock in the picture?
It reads 6,23,49
